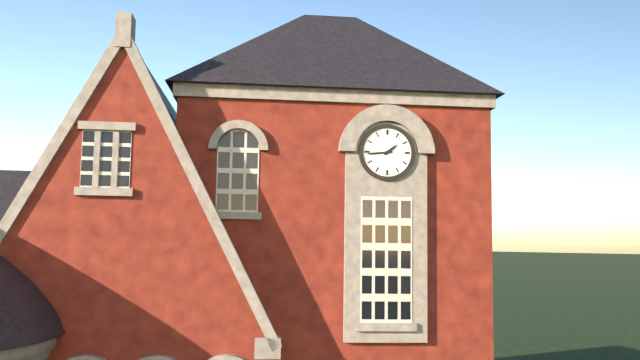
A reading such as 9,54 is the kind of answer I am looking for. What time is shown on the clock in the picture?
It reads 1,44
